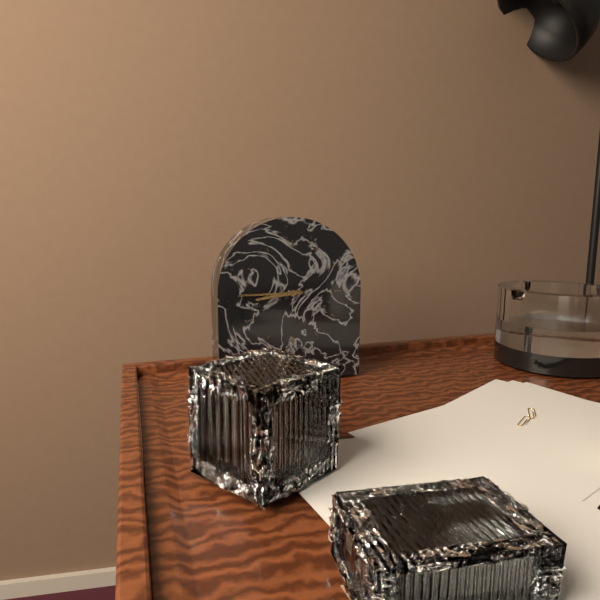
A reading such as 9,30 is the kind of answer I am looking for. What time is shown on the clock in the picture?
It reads 8,45
